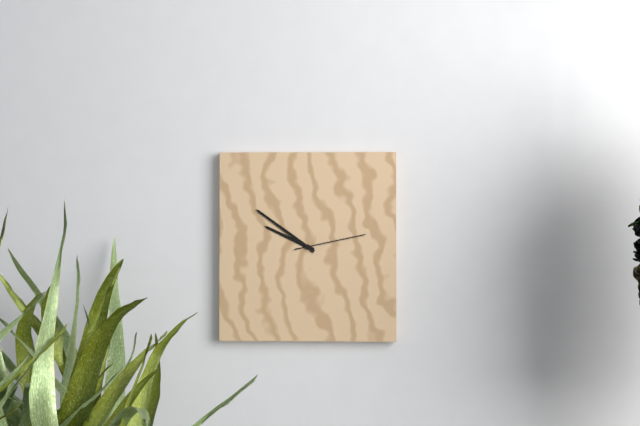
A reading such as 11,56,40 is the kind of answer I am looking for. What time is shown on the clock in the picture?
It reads 9,51,13
